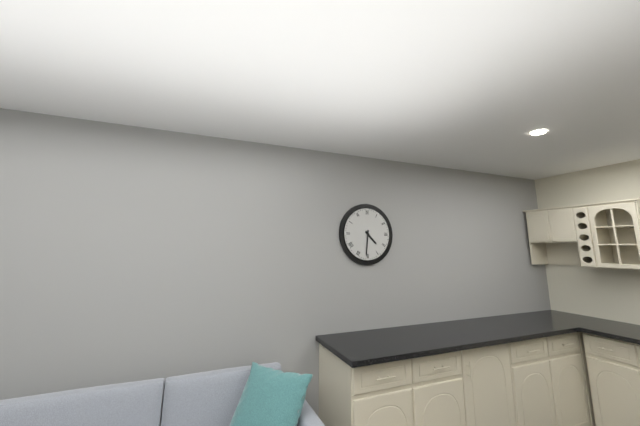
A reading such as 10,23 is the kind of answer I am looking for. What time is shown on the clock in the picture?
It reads 4,31
